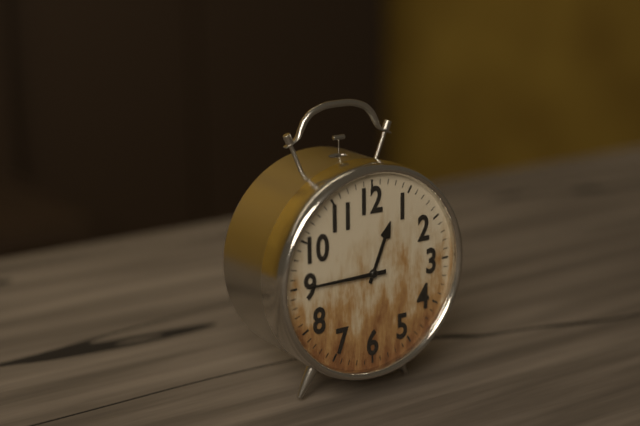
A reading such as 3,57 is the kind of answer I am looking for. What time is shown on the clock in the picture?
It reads 12,45
